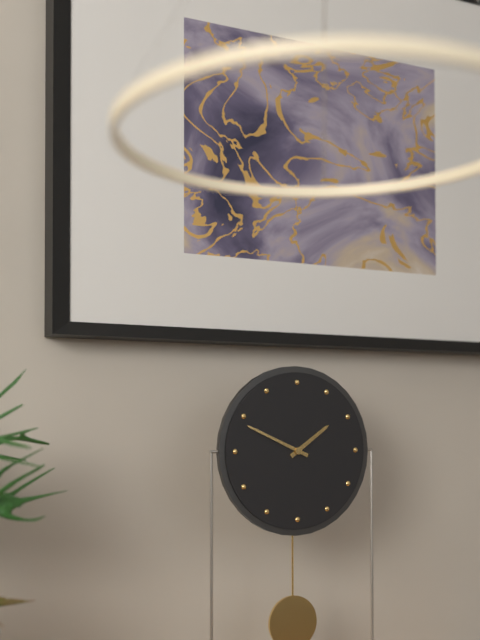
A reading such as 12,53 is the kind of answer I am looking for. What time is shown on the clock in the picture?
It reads 1,49
